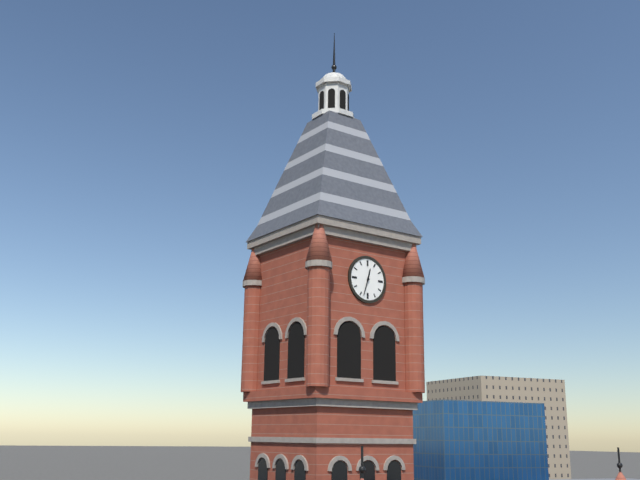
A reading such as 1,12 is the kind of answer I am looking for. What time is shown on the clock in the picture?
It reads 12,33
